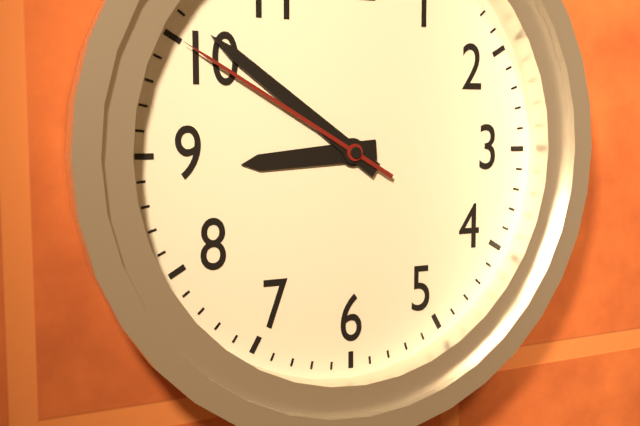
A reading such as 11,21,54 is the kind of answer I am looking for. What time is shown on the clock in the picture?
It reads 8,51,50
